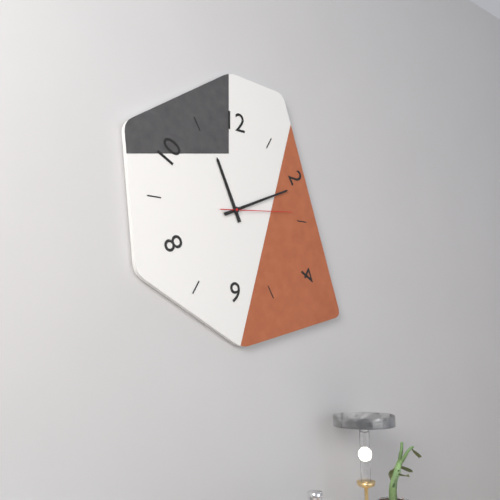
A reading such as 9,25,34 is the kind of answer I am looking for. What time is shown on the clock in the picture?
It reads 11,11,14
